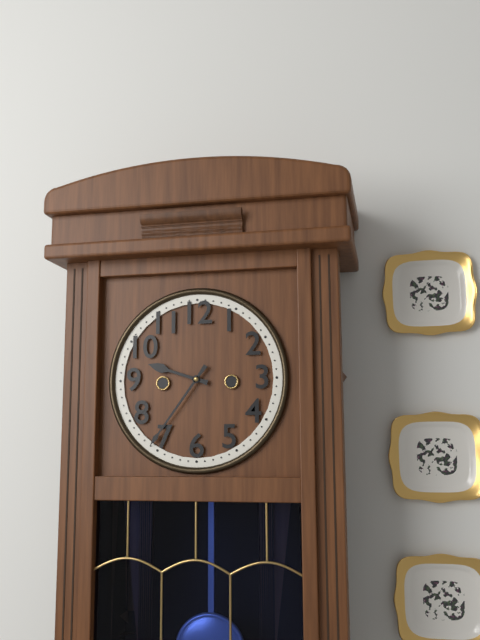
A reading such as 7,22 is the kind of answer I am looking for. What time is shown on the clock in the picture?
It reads 9,36
